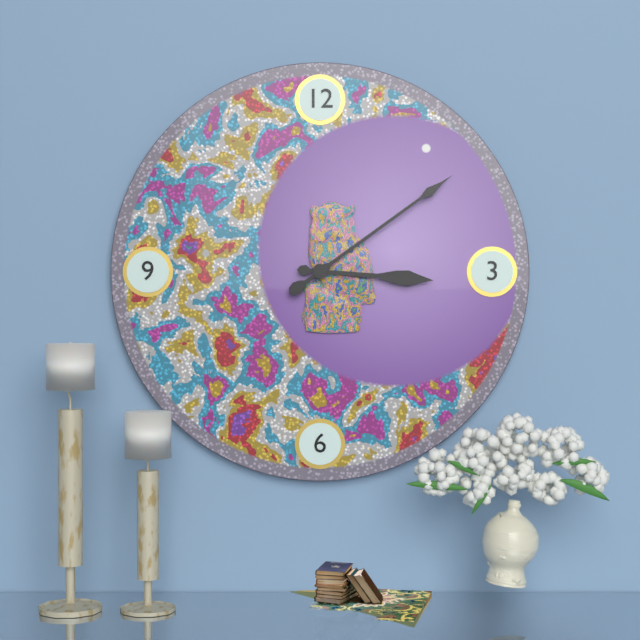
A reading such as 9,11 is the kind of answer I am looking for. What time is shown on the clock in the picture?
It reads 3,09
